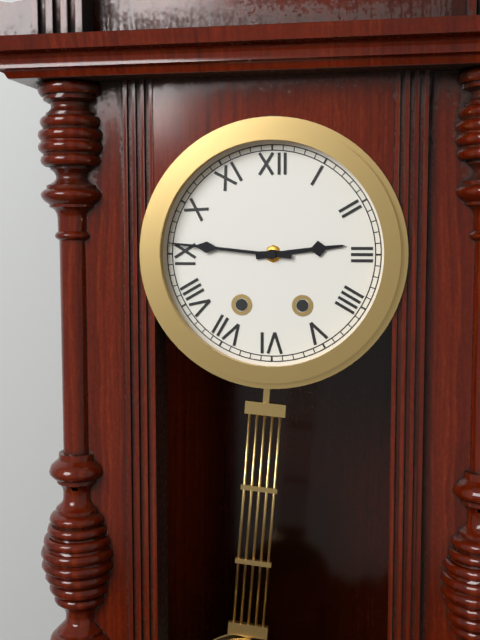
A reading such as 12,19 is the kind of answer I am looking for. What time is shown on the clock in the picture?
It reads 2,46
